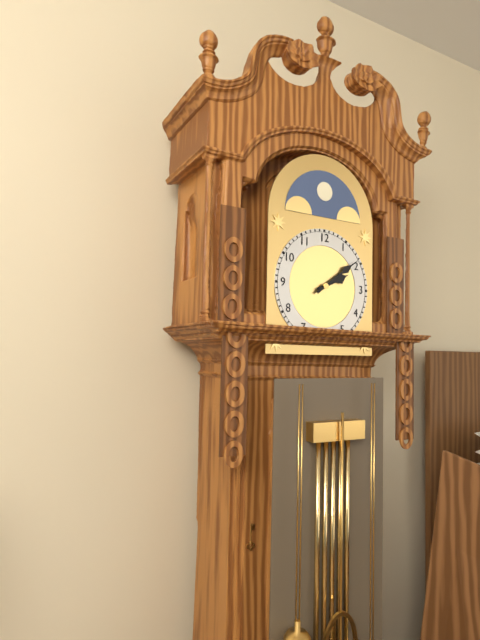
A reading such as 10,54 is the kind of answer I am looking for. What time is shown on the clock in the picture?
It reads 2,09
